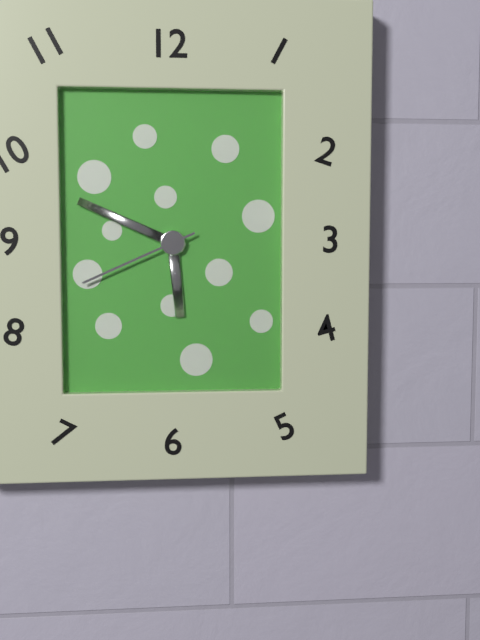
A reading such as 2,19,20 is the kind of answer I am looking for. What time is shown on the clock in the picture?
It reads 5,49,41
